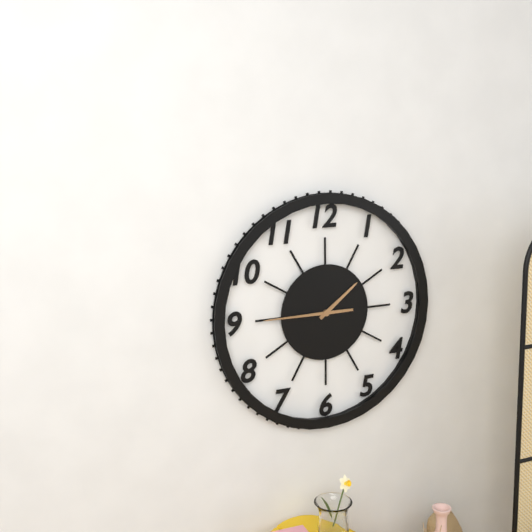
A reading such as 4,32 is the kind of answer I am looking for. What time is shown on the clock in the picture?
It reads 1,45
